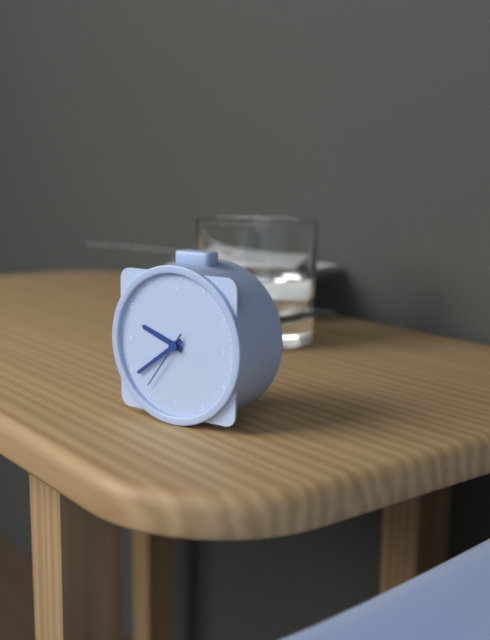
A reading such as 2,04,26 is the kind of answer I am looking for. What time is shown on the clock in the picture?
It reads 9,39,36
